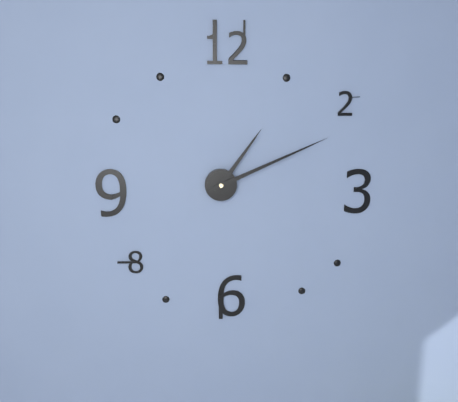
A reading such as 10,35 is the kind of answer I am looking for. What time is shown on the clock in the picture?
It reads 1,11
